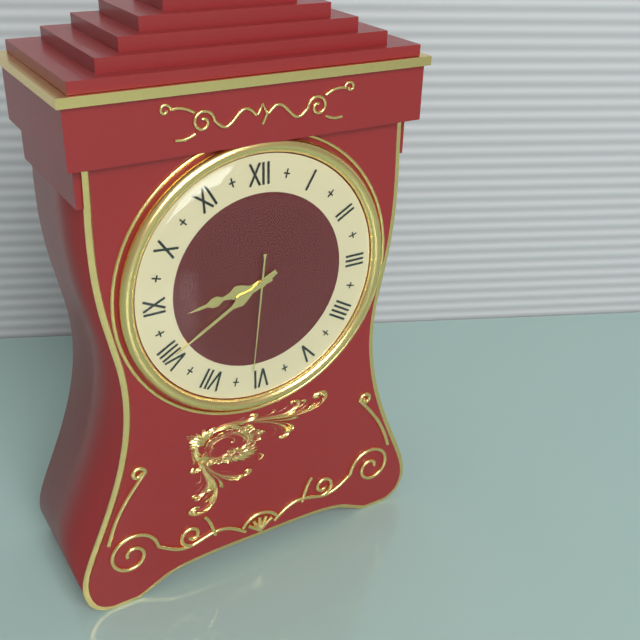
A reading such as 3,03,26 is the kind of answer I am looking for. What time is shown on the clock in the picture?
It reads 8,40,31
